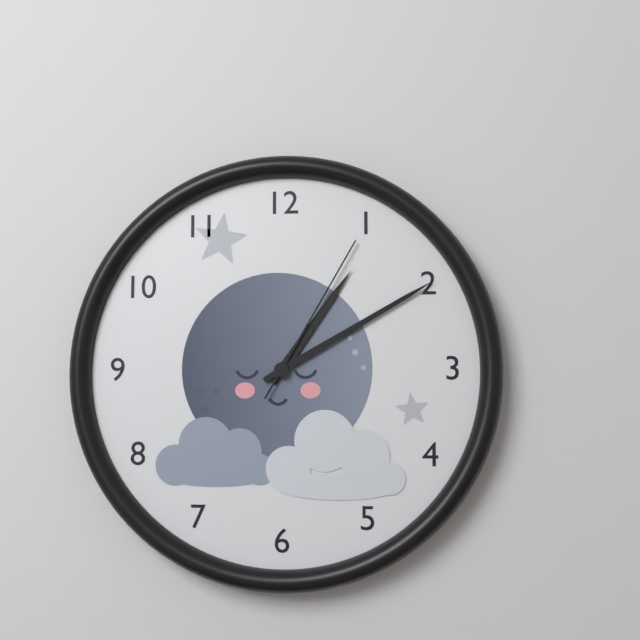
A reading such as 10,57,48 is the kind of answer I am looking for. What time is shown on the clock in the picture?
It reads 1,10,05
